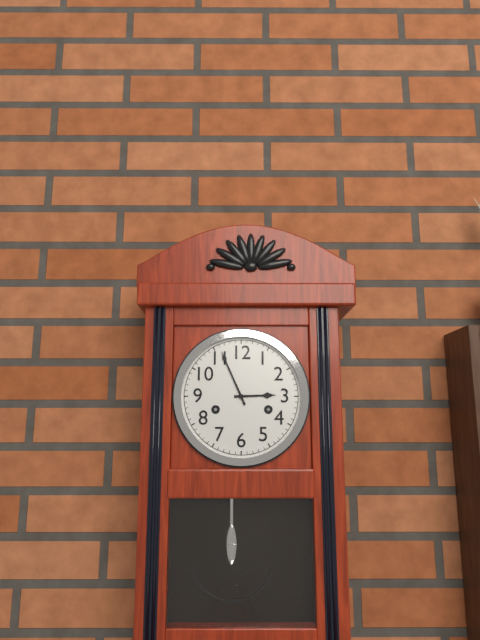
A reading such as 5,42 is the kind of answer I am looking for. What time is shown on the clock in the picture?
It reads 2,56
